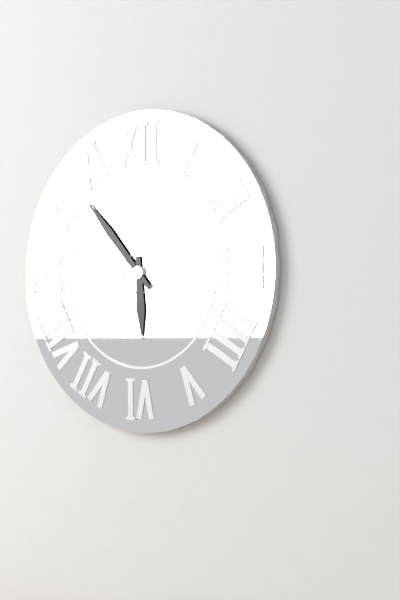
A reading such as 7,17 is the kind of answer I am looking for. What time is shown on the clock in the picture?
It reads 5,53
